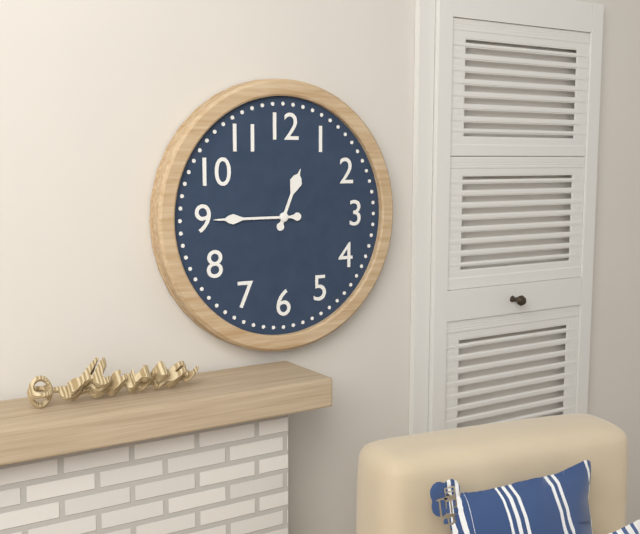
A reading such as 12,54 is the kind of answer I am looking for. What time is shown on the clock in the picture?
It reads 12,45
